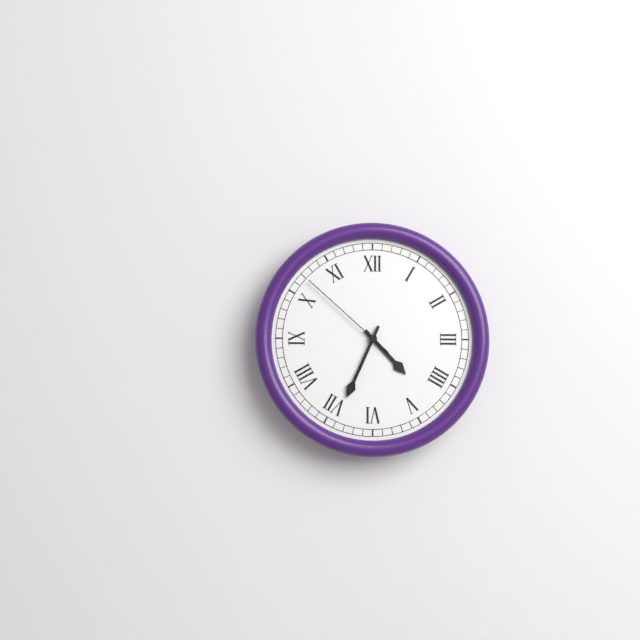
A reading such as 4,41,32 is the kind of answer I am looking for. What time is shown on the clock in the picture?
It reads 4,34,52
